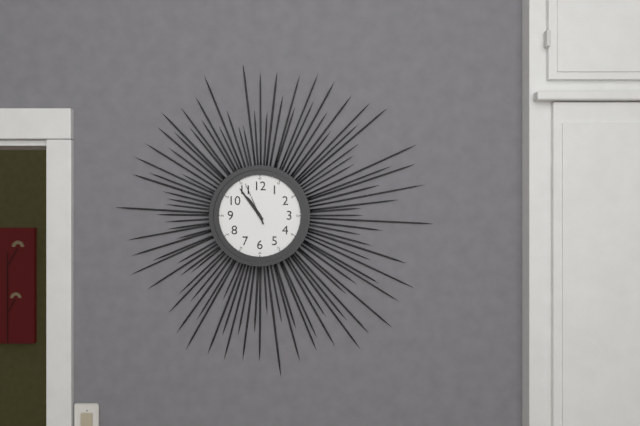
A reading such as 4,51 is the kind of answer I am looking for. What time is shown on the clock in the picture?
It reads 10,54
